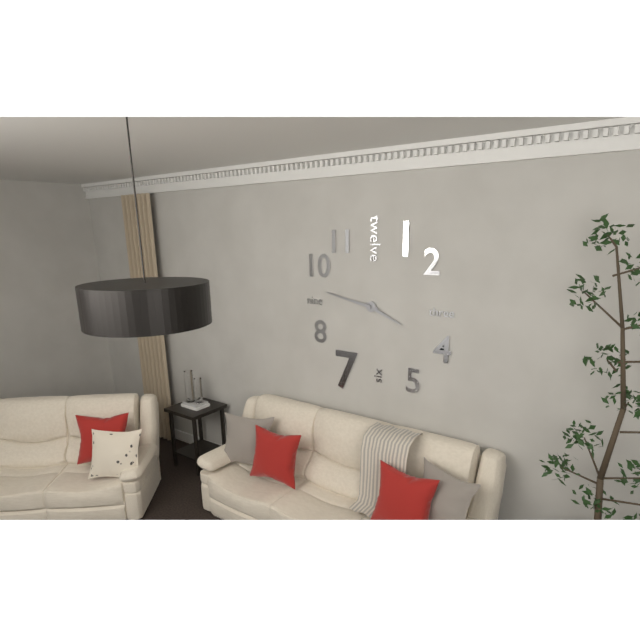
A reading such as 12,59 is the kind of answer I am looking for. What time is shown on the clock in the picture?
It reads 3,47
